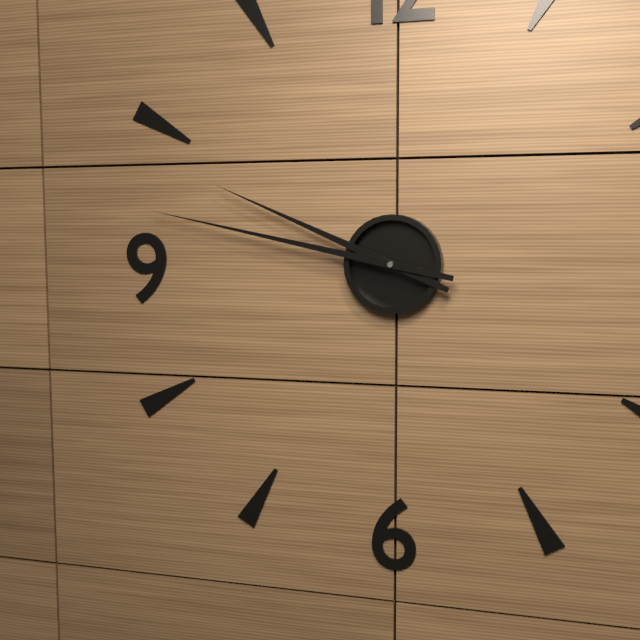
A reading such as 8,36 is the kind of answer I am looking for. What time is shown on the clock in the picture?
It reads 9,47
